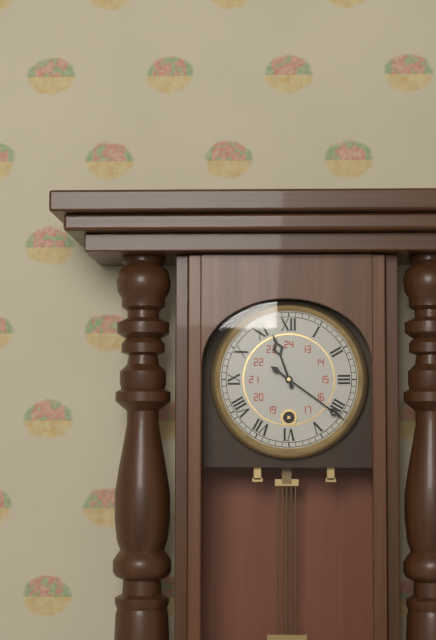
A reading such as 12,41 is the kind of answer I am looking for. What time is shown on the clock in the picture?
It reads 11,21
